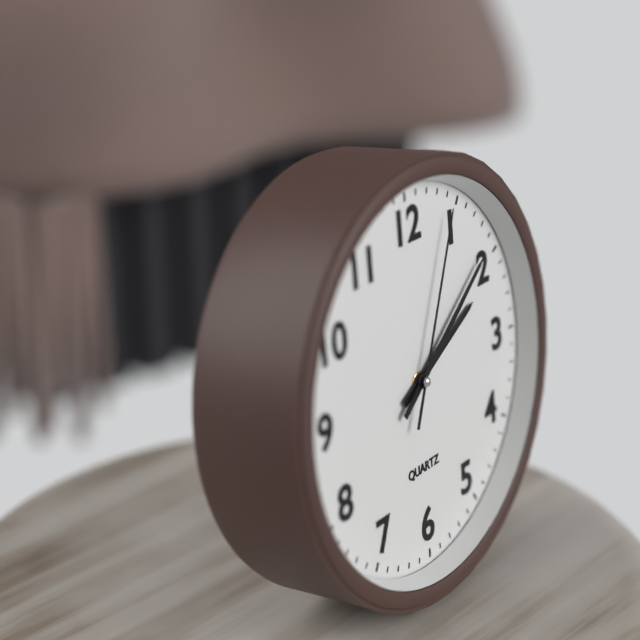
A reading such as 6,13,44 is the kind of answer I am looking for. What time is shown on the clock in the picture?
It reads 2,09,04
